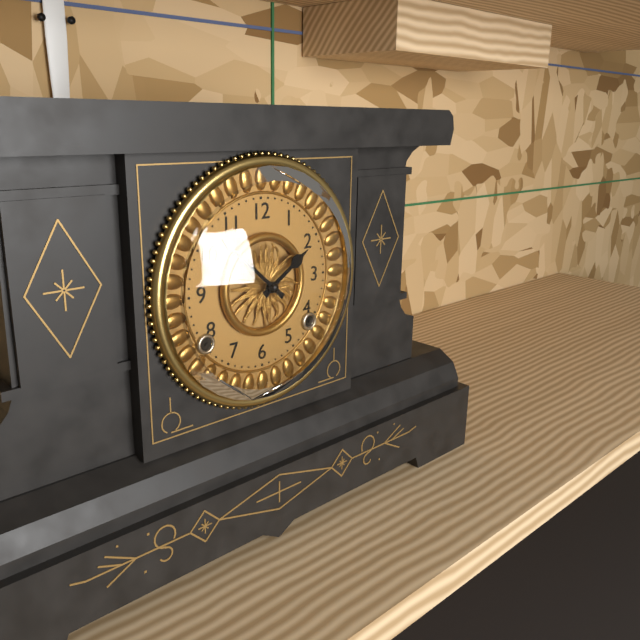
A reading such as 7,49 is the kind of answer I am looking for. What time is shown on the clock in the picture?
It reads 1,52
